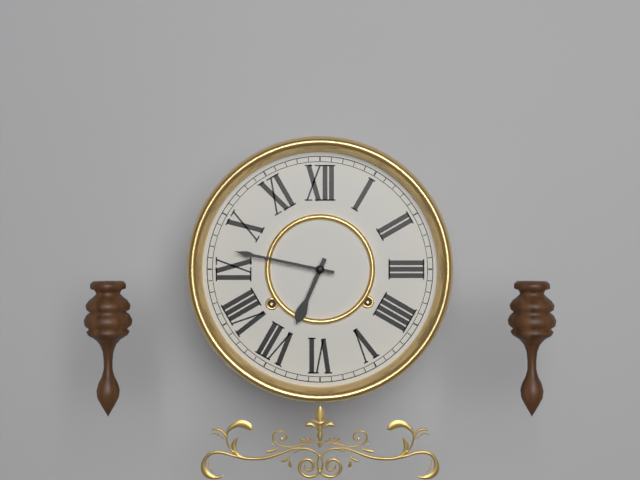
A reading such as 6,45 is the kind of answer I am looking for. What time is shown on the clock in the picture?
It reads 6,47
